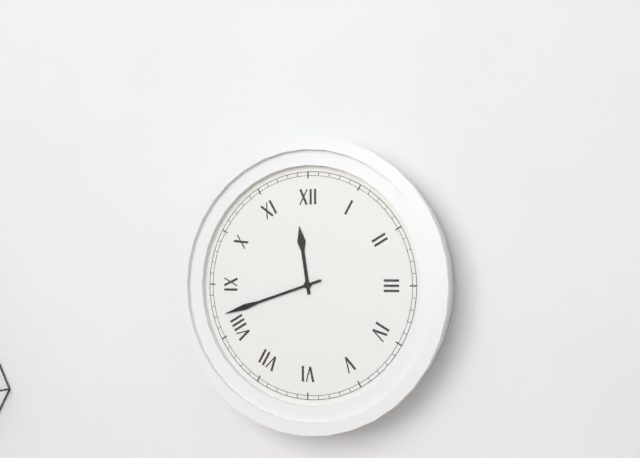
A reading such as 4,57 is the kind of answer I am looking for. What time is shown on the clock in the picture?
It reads 11,42
